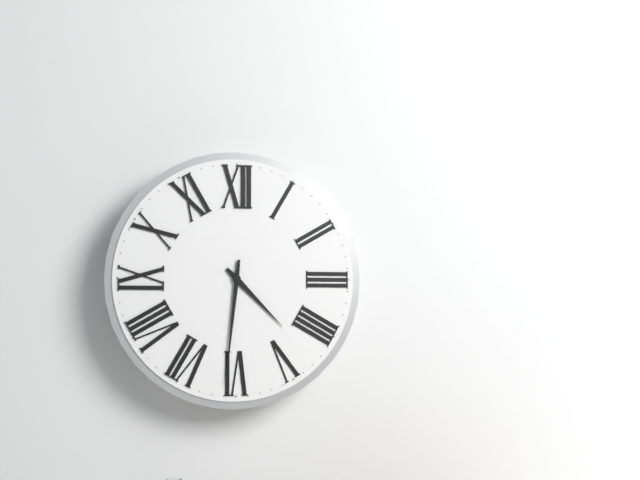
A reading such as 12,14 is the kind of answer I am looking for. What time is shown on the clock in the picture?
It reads 4,31
